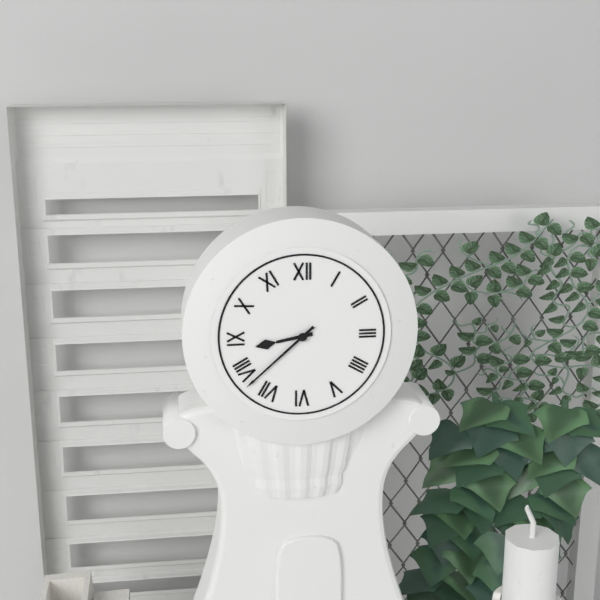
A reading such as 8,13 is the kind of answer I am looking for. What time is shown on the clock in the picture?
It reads 8,38
